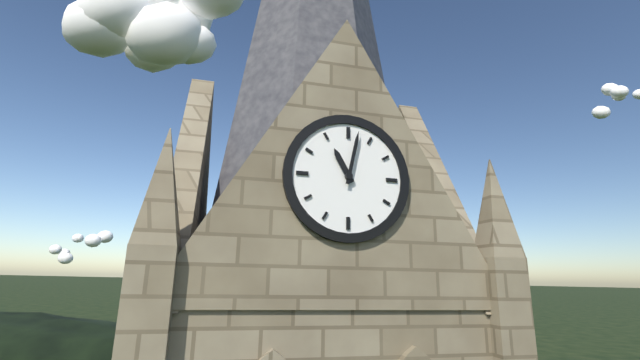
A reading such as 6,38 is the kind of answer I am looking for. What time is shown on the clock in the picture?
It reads 11,02
